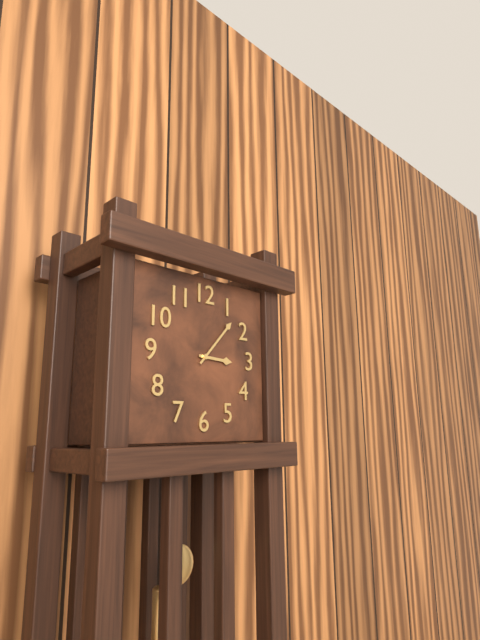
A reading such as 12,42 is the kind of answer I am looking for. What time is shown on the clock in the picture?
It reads 3,07
